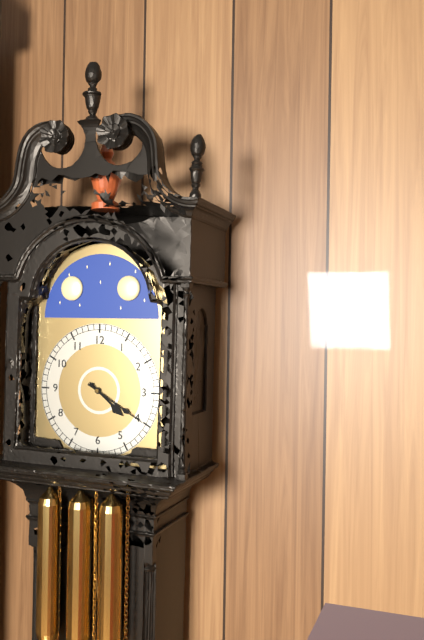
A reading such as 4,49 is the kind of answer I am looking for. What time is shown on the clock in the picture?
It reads 4,20
